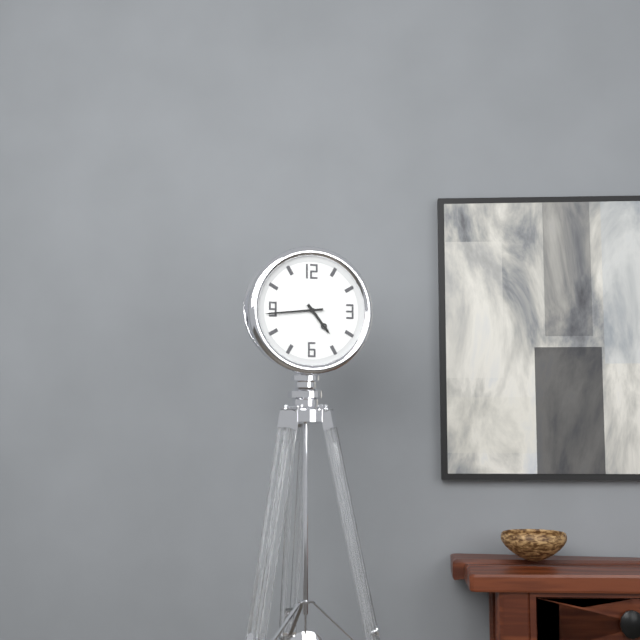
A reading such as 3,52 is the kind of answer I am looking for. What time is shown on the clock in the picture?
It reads 4,44
